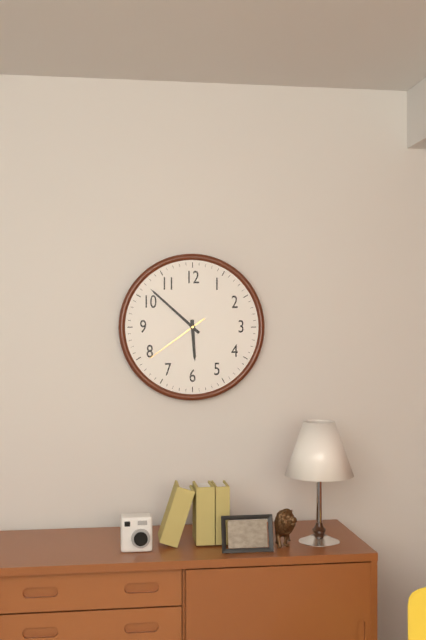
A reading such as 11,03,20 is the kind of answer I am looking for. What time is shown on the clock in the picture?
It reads 5,52,39
